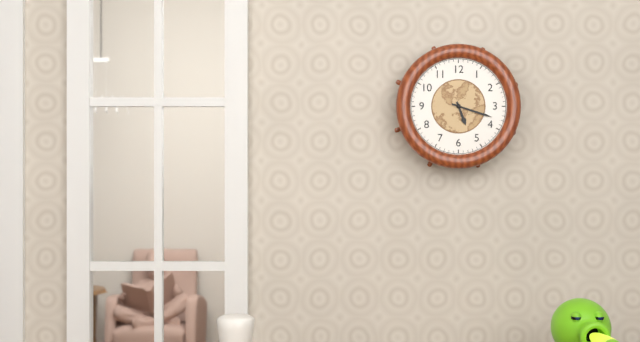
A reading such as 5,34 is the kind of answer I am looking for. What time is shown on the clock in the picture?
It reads 5,18
